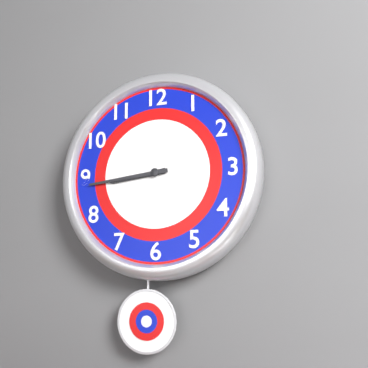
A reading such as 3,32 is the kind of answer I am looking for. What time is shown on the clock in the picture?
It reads 8,44
